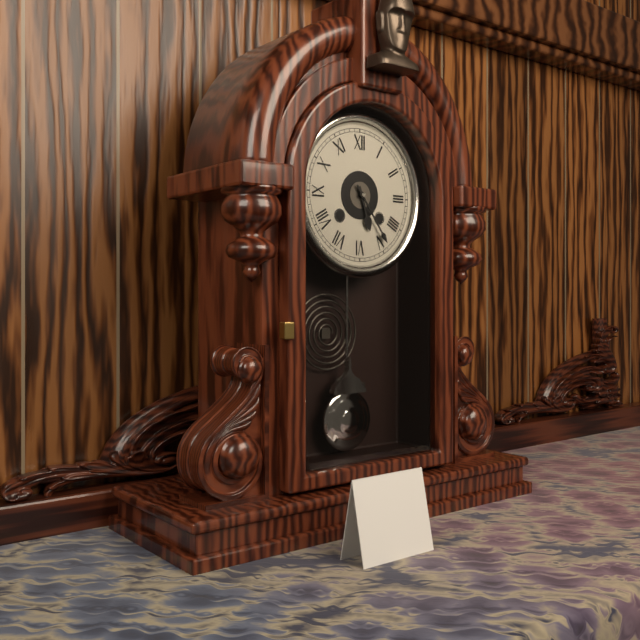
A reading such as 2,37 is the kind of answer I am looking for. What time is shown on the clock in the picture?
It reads 5,24
